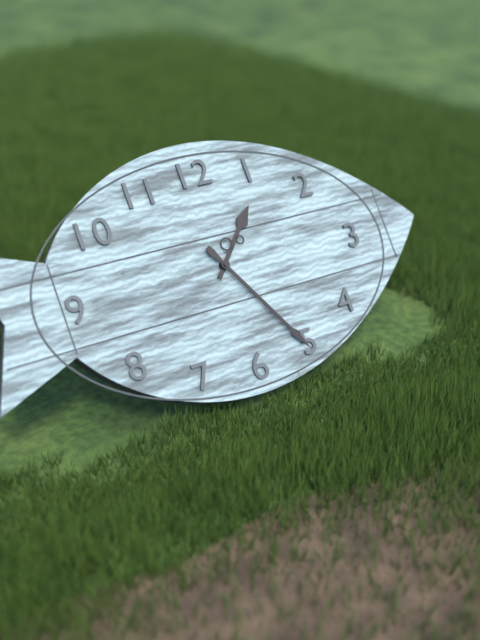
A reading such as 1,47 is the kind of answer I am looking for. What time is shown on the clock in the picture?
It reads 1,25
